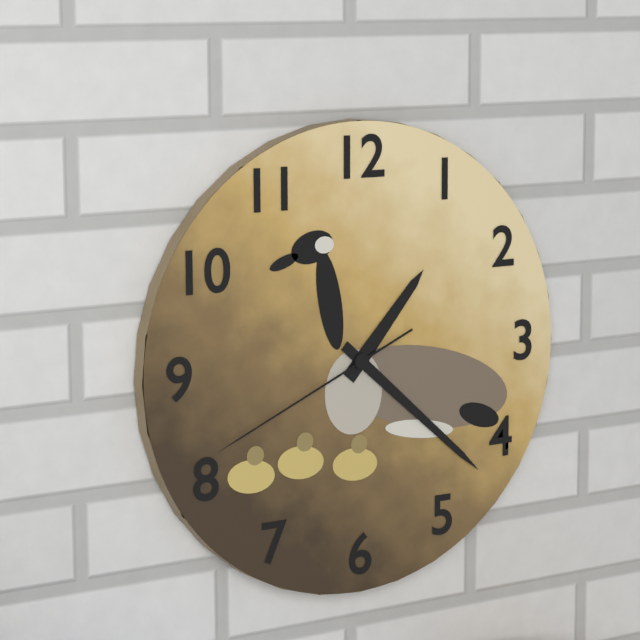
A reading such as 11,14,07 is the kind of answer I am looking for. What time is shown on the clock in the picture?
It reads 1,22,41
